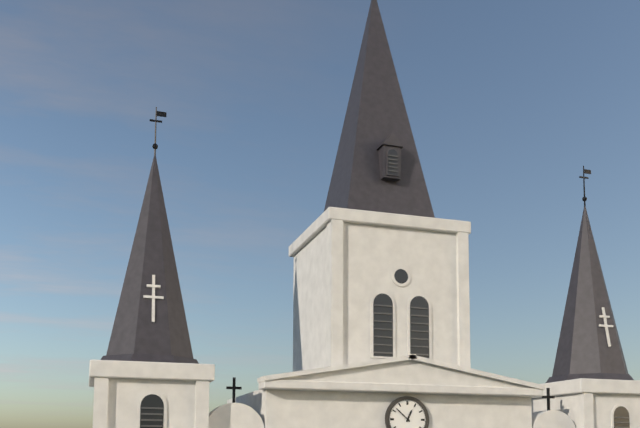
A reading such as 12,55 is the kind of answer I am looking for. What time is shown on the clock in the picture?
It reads 12,52
